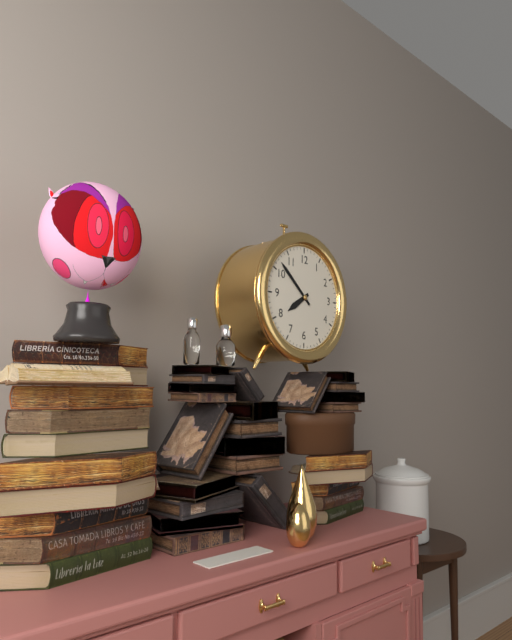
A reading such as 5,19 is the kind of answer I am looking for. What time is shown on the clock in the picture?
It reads 7,52
